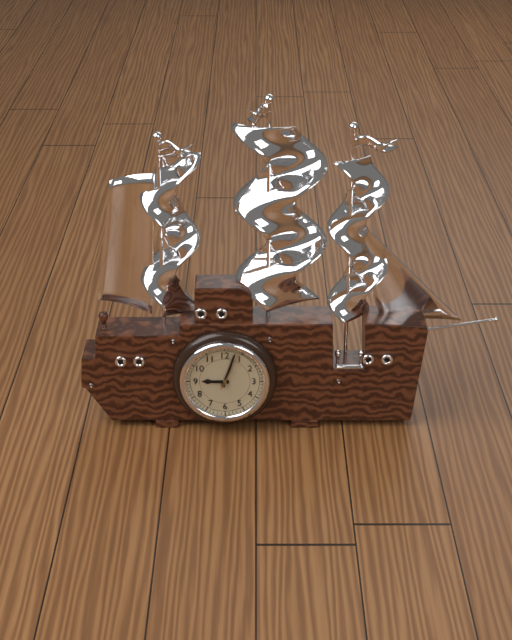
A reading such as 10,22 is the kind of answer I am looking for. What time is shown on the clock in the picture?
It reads 9,03
